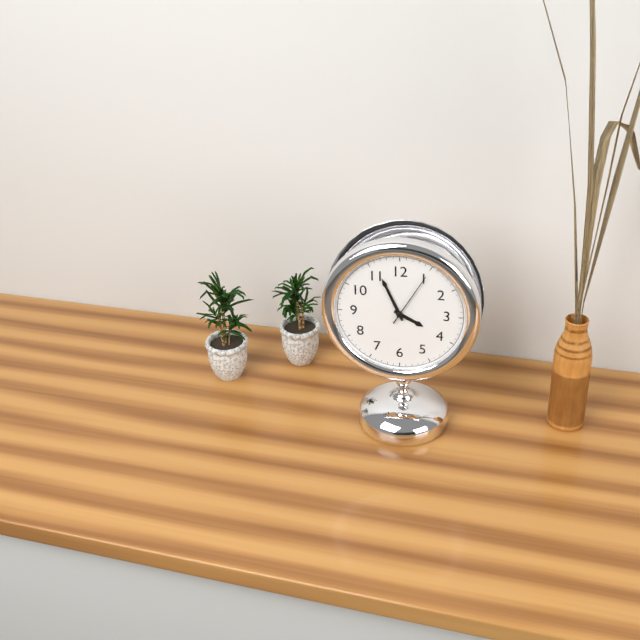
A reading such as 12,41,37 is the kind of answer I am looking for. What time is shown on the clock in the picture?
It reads 3,56,05
